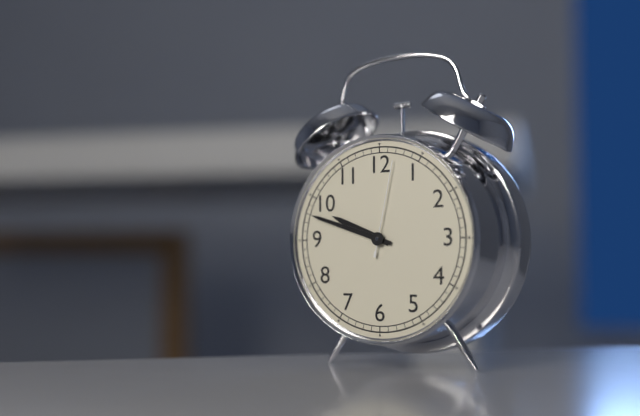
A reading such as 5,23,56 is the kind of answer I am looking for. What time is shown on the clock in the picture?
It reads 9,48,02
